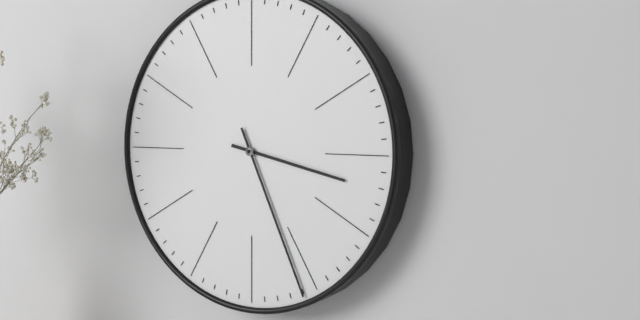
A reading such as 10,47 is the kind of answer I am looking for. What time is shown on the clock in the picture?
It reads 3,26
